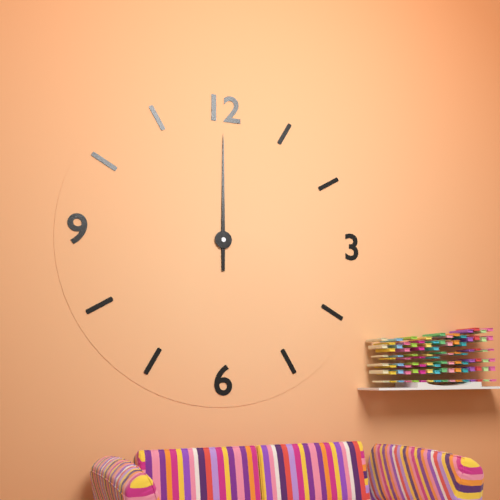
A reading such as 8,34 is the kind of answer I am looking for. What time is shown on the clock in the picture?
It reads 12,00
